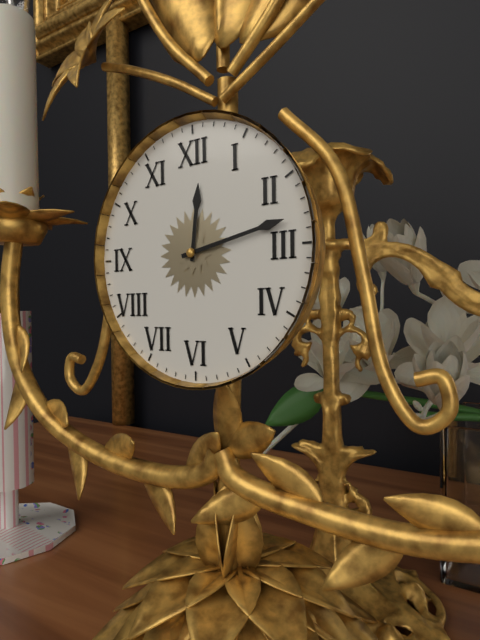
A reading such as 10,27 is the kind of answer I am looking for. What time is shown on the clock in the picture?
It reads 12,13
